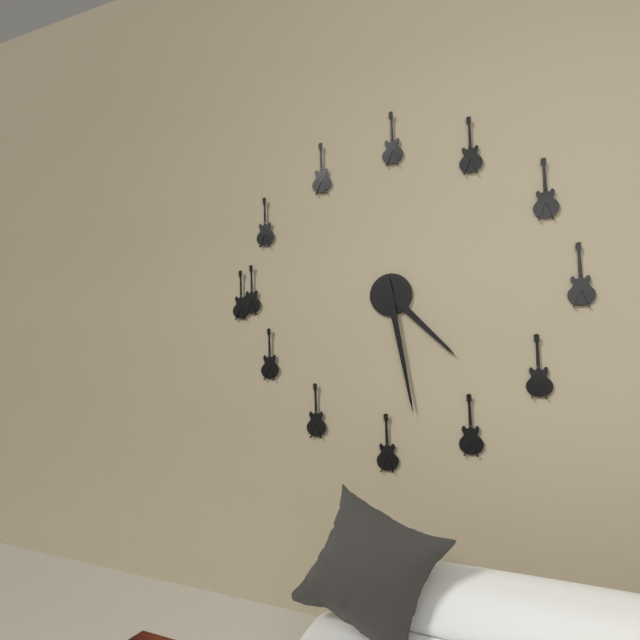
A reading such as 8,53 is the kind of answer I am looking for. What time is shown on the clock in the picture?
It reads 4,28
